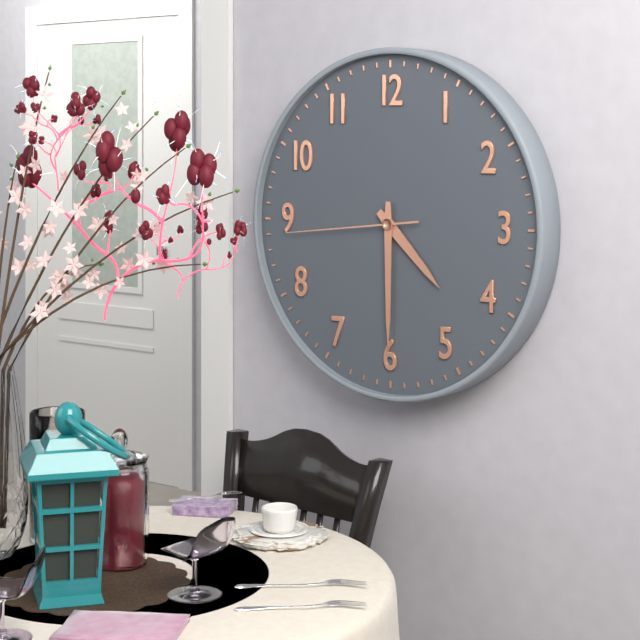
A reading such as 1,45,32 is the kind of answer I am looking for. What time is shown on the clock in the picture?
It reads 4,30,44
